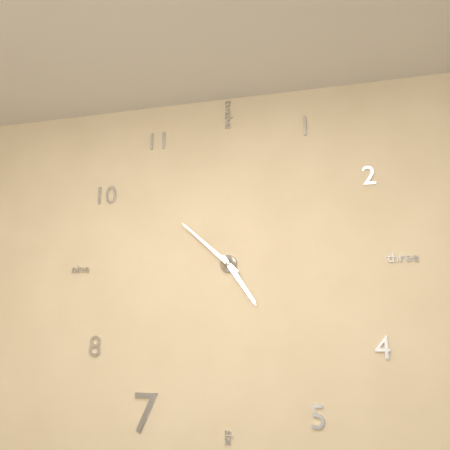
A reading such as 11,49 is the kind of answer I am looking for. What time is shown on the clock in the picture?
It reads 4,52
